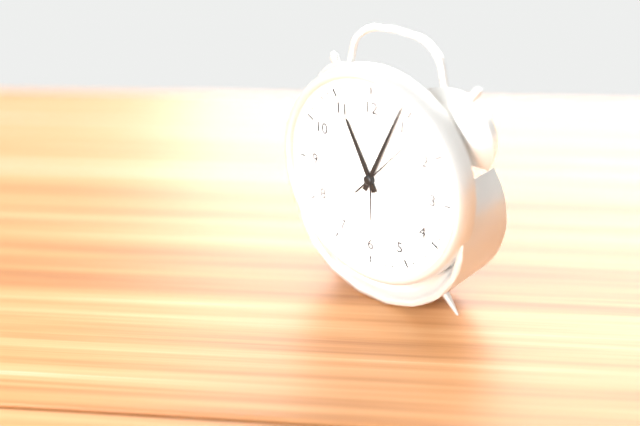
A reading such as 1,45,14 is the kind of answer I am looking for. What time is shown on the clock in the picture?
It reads 11,04,07
